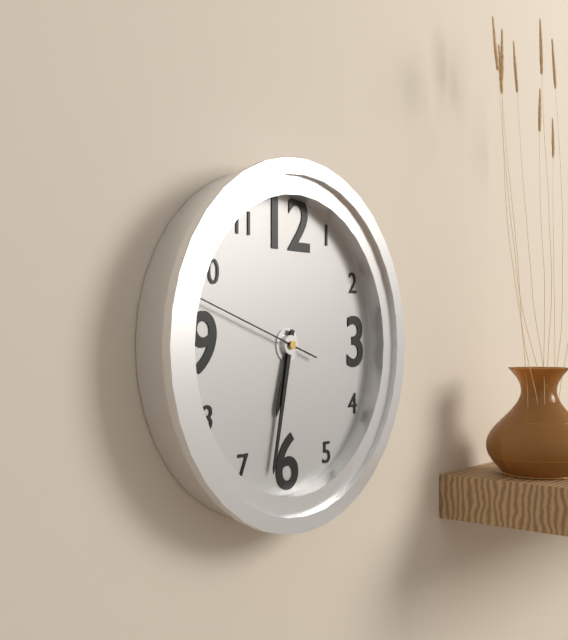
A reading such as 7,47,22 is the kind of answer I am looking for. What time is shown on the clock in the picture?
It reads 6,32,48
